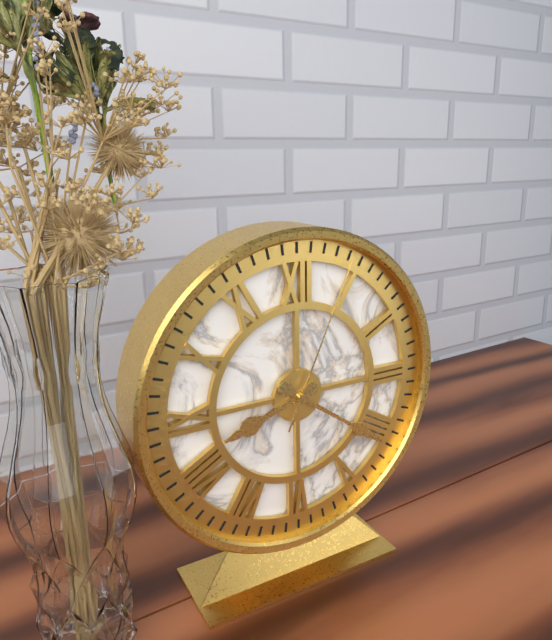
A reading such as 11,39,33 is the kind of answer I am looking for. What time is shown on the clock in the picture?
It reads 8,21,04
